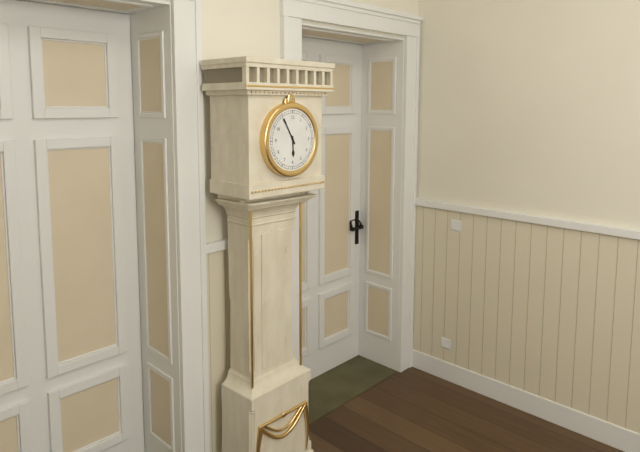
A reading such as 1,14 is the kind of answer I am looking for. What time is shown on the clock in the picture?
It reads 5,55
